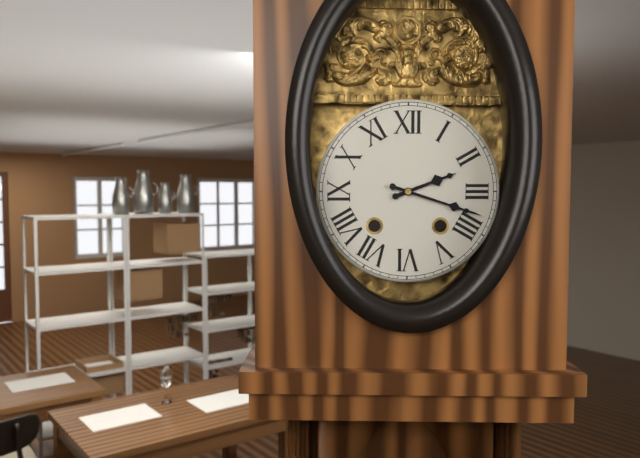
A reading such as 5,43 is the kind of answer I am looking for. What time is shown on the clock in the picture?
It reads 2,18
